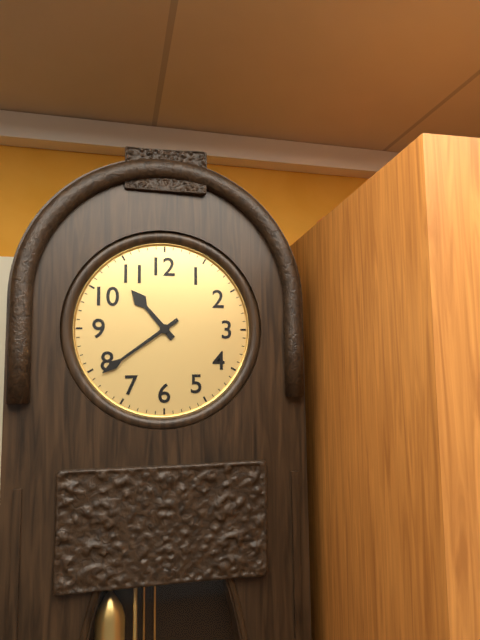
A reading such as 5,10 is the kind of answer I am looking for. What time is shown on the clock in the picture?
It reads 10,39
